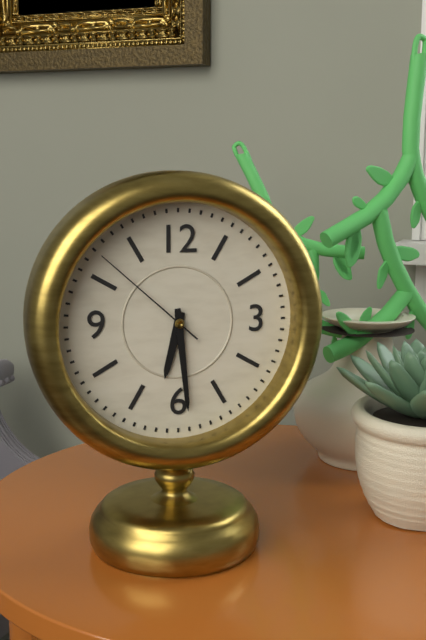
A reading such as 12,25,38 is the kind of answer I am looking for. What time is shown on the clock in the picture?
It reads 6,29,52
